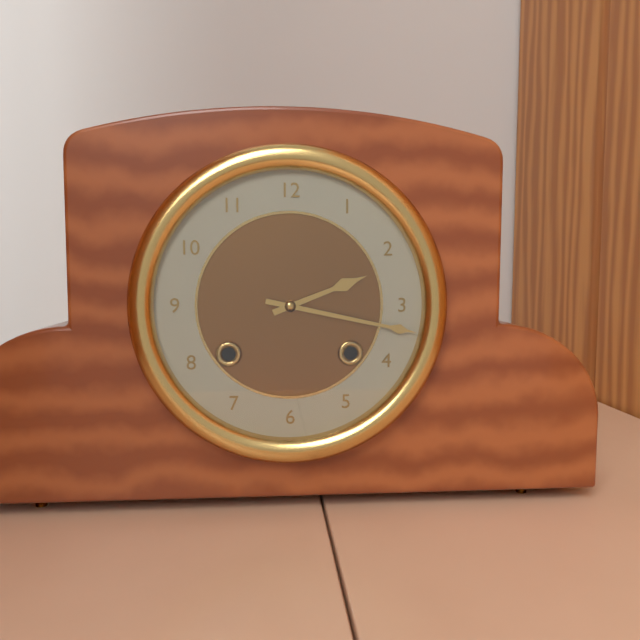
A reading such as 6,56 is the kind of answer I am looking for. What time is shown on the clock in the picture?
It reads 2,17
